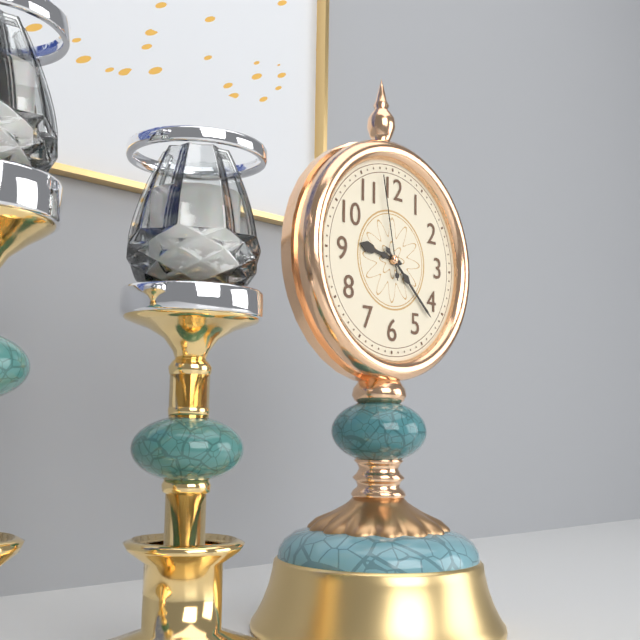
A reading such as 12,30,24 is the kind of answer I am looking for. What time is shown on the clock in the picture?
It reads 9,22,58
